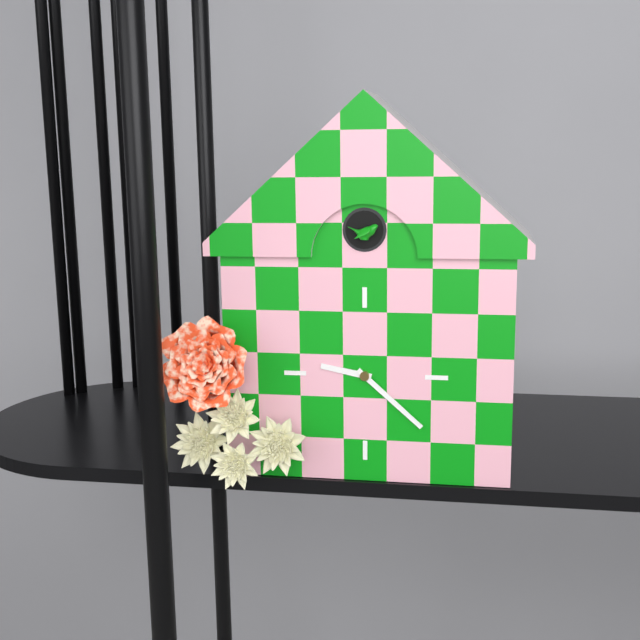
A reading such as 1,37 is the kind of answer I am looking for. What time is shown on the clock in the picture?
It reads 9,22
